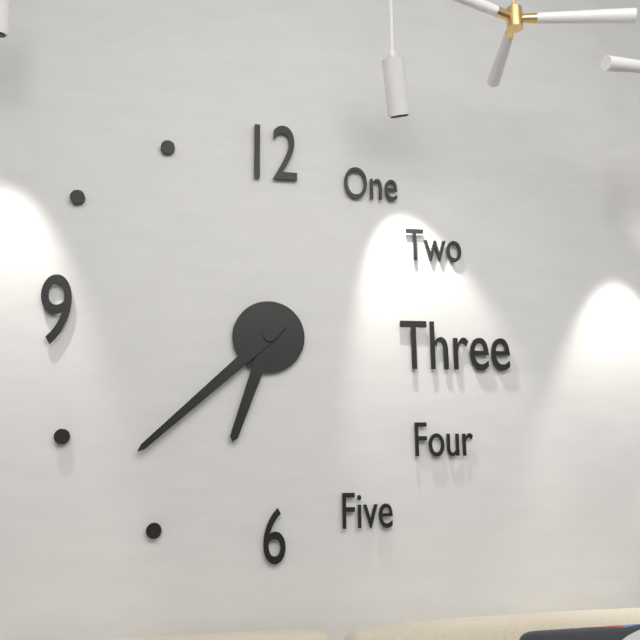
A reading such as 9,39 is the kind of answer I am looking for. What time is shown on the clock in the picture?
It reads 6,38
